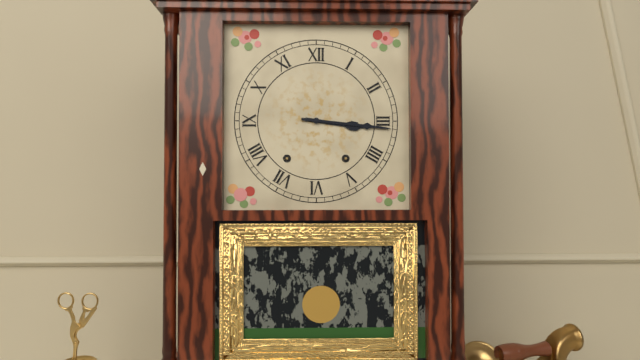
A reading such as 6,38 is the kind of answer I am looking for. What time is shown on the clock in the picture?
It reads 3,16
